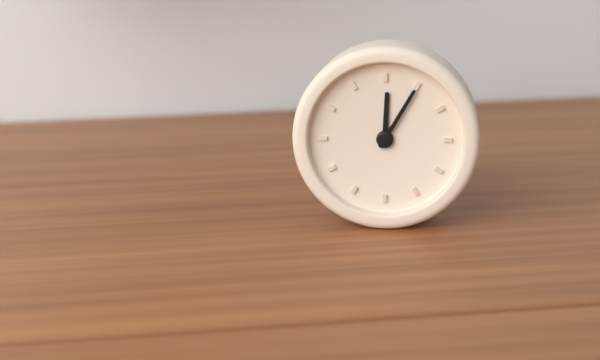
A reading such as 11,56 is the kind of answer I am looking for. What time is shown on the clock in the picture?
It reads 12,05
